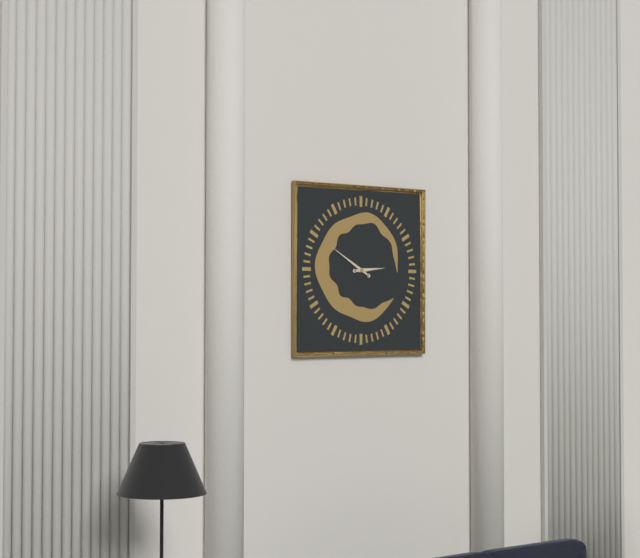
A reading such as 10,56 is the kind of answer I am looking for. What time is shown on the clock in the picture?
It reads 2,50
